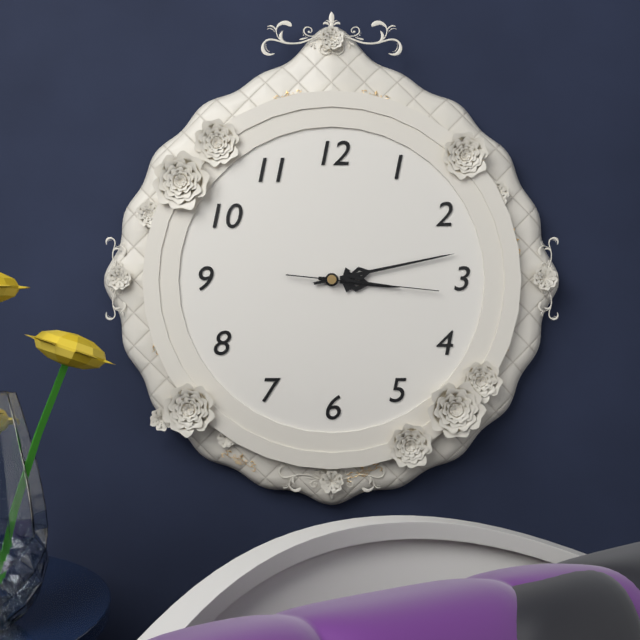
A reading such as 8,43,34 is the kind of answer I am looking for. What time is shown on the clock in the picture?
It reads 3,13,16
